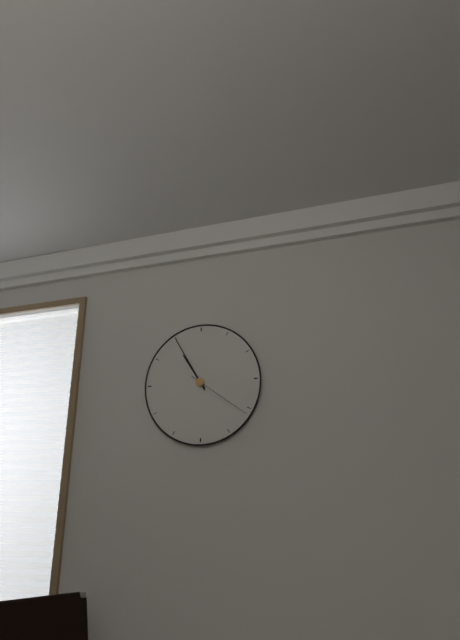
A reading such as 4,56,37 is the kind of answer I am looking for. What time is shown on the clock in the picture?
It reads 10,55,21
